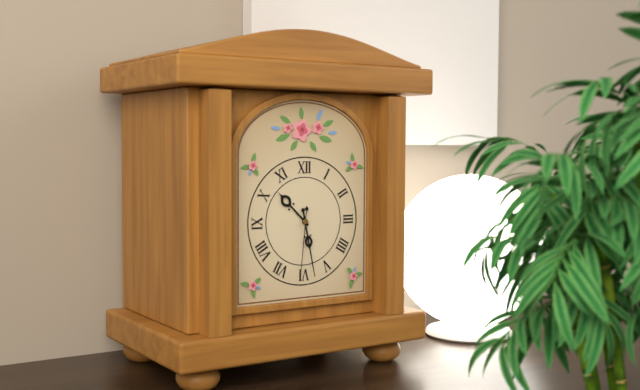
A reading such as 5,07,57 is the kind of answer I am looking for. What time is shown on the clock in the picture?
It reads 10,28,31
